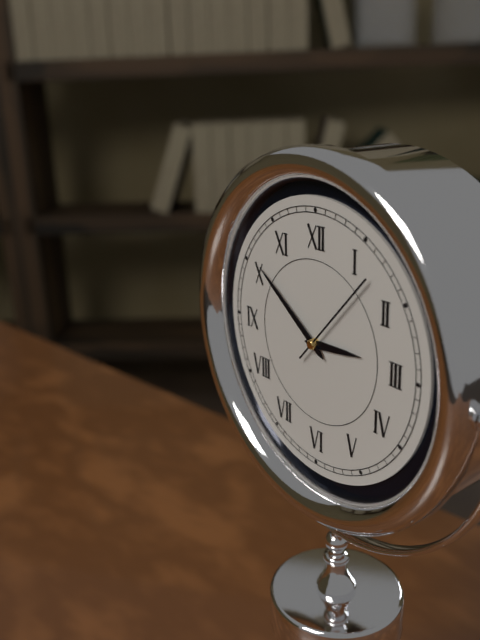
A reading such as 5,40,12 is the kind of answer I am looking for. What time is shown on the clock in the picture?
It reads 2,51,07
